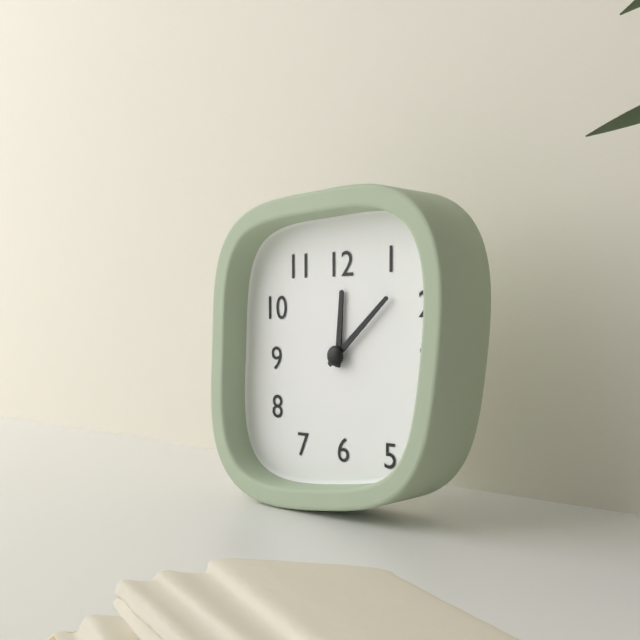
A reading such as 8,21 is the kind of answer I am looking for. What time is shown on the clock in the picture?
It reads 12,08
